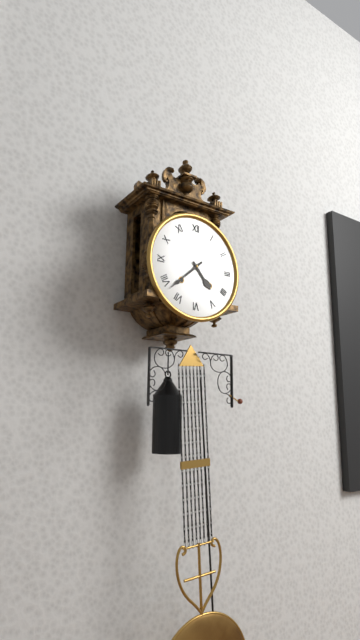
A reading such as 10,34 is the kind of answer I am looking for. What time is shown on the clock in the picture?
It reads 4,38
